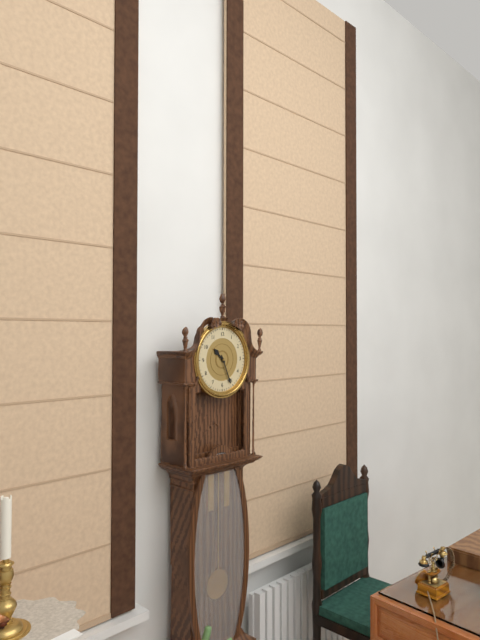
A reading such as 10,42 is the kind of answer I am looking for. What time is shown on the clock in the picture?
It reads 10,26
